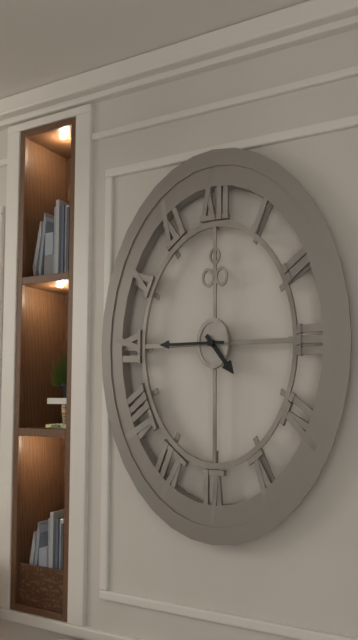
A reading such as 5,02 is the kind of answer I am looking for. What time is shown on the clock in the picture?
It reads 4,45
